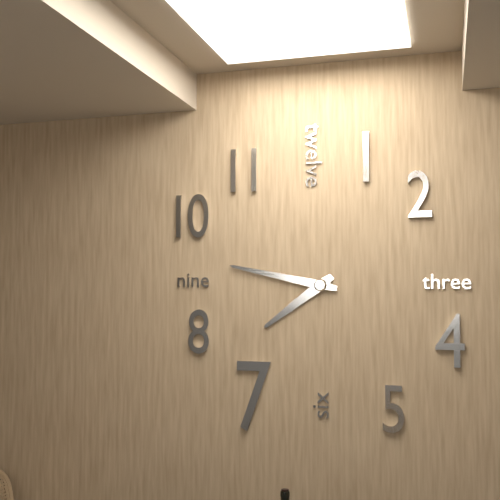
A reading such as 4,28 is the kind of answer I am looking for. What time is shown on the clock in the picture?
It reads 7,47
